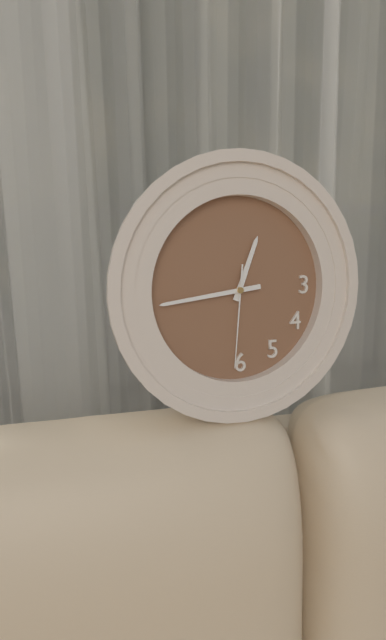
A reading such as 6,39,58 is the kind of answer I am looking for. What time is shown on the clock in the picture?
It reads 12,44,31
